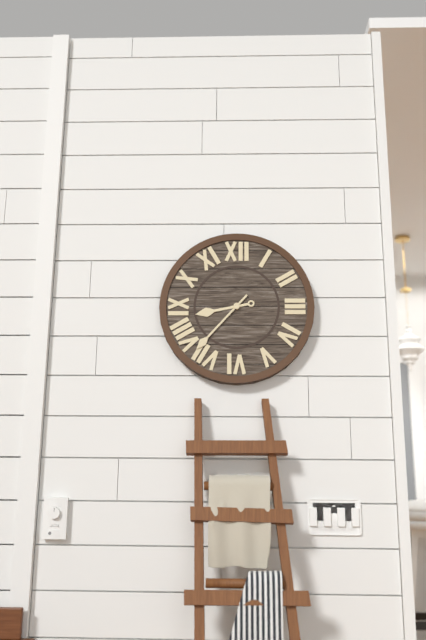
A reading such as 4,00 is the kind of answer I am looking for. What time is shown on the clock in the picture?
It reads 8,37
